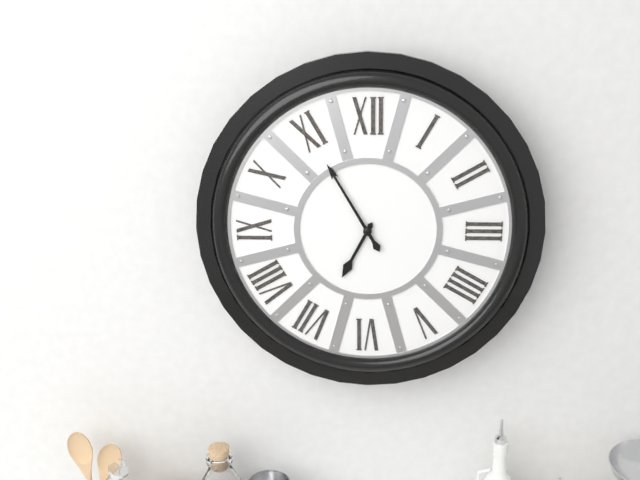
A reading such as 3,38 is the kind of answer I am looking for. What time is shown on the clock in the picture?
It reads 6,55
